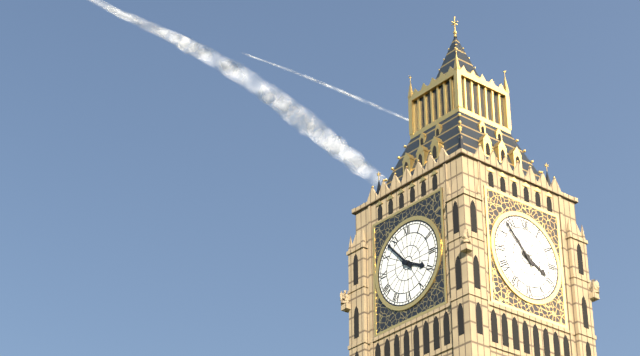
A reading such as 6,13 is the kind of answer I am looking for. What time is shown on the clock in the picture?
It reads 3,53
